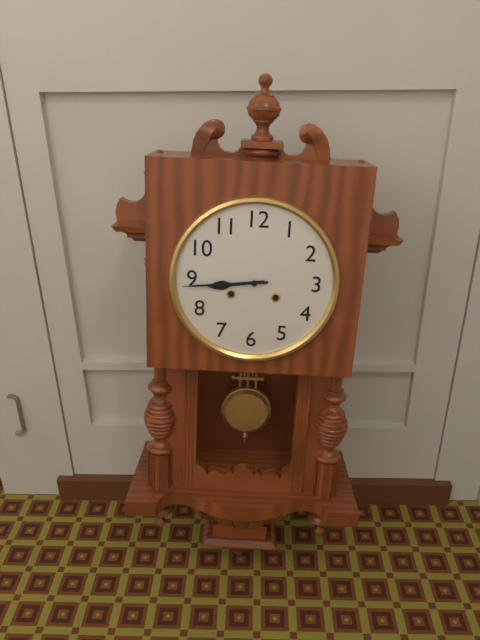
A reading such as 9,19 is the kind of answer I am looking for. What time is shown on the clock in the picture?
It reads 8,44
